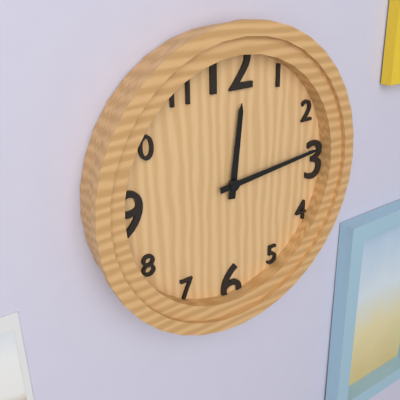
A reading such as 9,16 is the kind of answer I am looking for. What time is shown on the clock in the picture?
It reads 12,14
